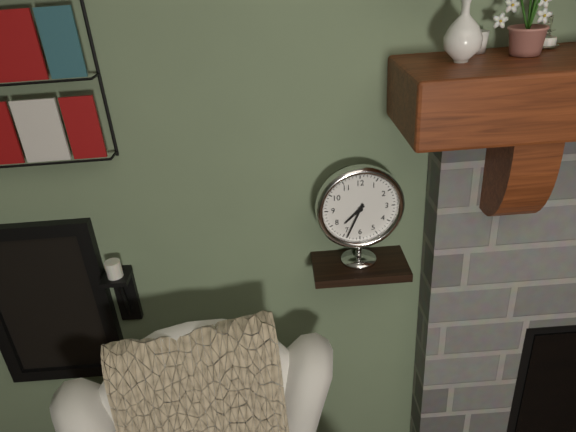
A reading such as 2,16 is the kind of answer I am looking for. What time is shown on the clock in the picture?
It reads 7,34
